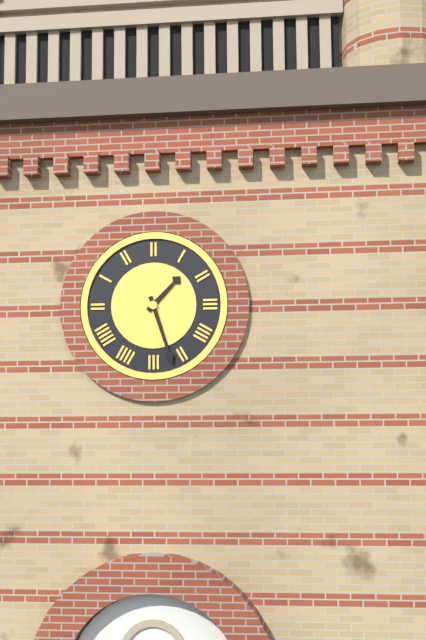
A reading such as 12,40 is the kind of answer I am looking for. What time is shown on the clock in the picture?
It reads 1,27
